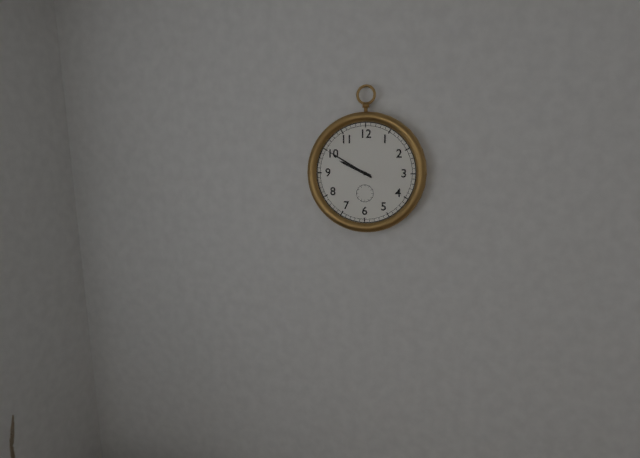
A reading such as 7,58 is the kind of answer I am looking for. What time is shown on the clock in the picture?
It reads 9,50
